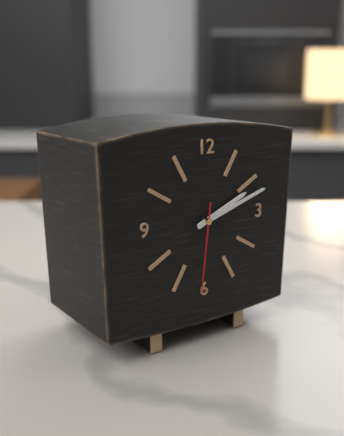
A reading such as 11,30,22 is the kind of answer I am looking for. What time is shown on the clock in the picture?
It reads 2,12,31
